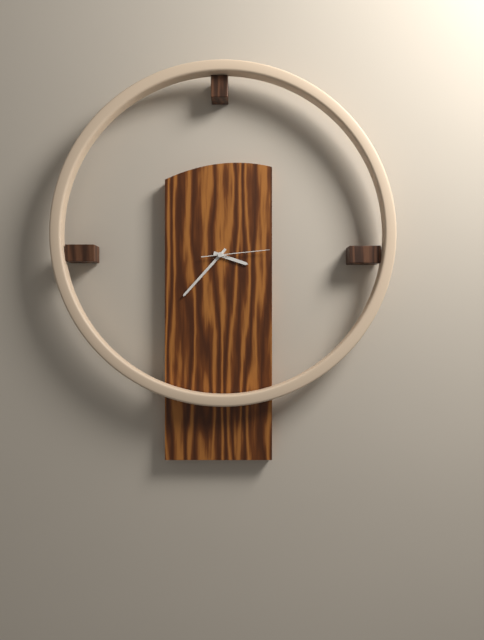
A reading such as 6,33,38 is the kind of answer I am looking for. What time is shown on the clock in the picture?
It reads 3,37,14
